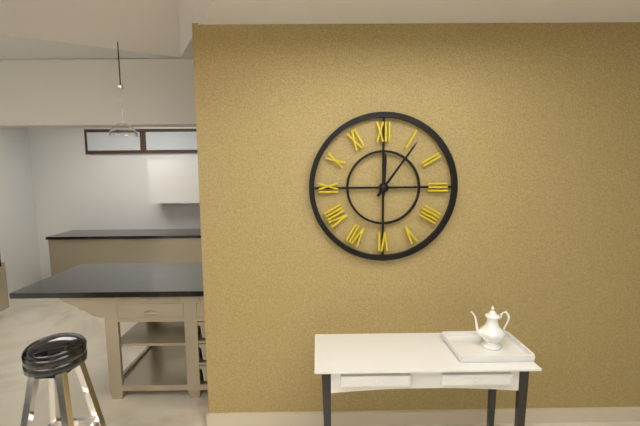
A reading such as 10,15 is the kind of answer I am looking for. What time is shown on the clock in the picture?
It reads 12,06
